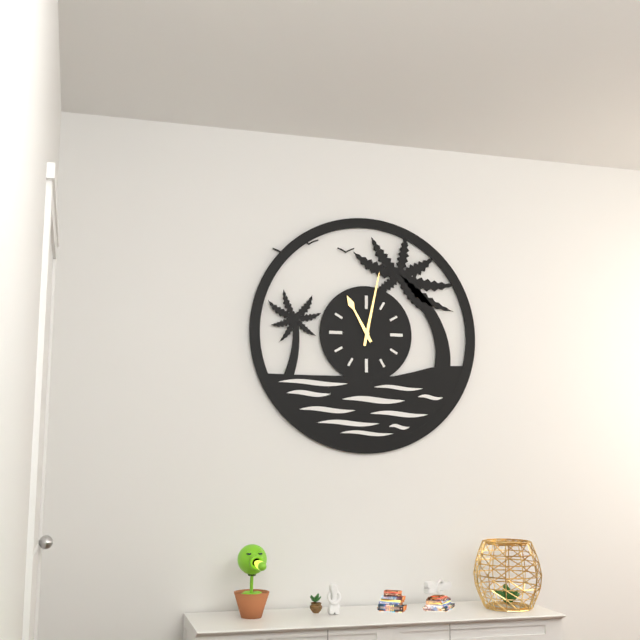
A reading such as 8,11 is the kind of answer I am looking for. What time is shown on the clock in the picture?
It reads 11,02
